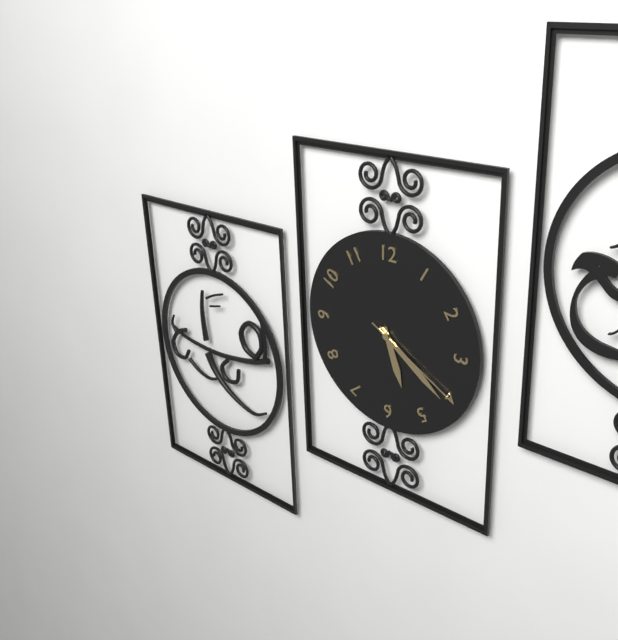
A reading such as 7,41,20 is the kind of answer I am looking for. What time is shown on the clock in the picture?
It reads 5,21,20
